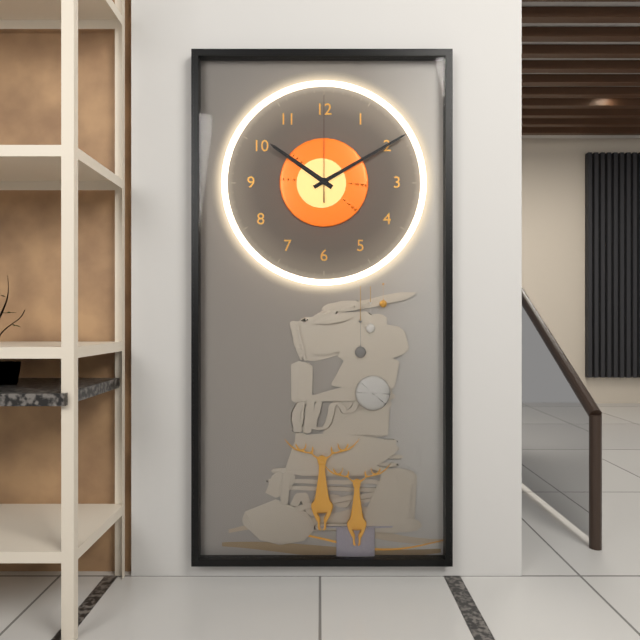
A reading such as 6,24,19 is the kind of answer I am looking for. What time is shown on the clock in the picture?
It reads 10,10,00
